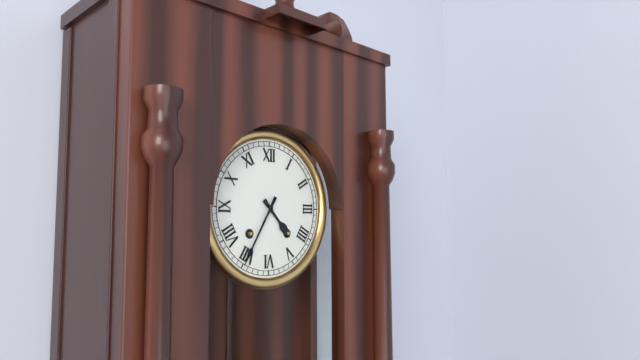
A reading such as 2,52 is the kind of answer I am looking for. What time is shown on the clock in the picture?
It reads 4,35
